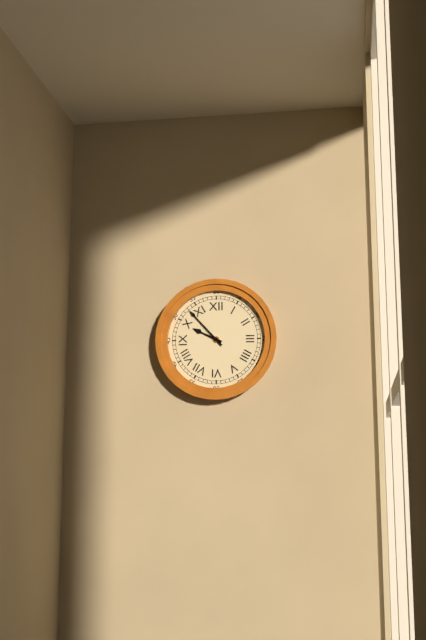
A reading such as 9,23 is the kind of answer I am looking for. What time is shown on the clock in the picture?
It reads 9,53
